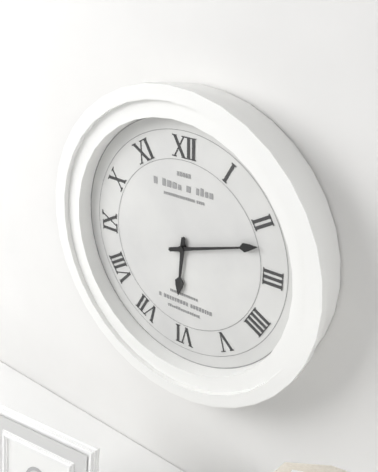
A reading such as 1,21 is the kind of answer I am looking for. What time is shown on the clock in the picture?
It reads 6,12
